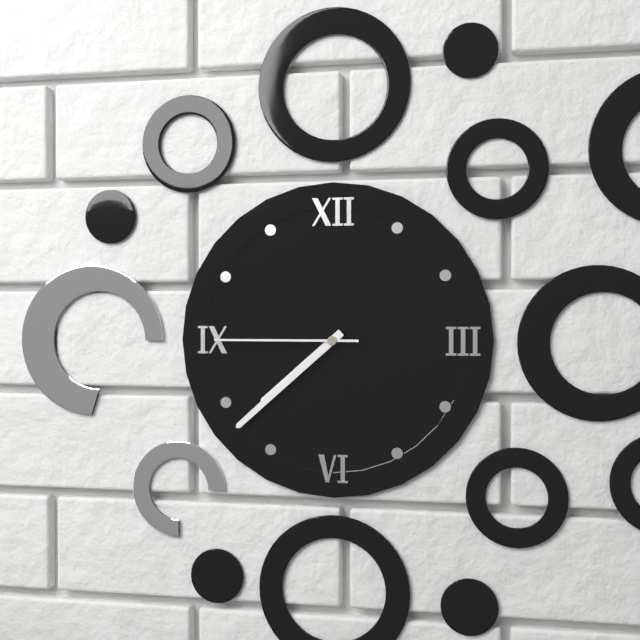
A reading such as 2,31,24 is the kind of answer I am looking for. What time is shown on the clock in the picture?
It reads 7,38,45
